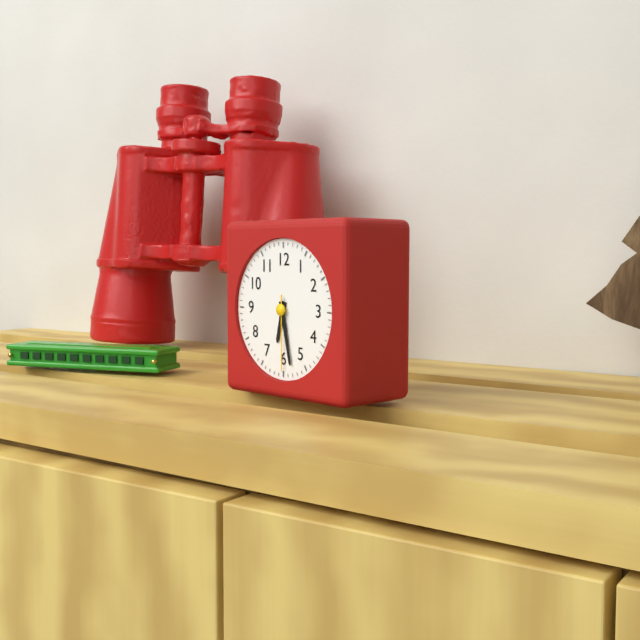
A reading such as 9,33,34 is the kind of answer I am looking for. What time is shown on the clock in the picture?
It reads 6,28,30
